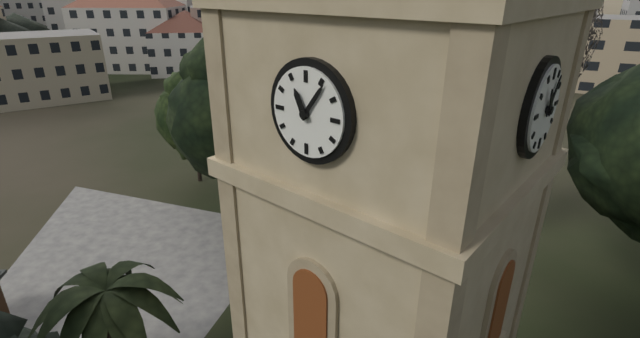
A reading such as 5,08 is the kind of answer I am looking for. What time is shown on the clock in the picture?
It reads 11,06
